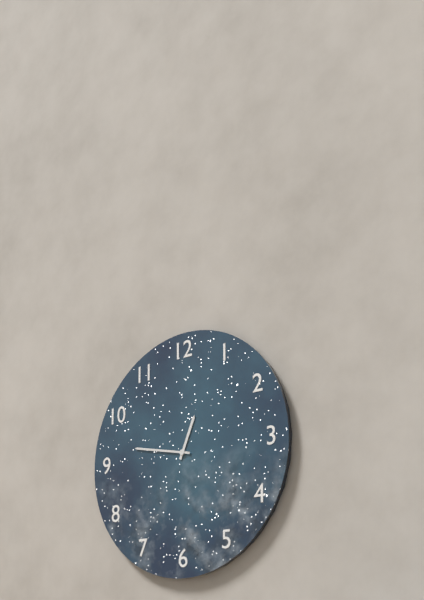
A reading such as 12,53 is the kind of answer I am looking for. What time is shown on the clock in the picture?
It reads 12,47
